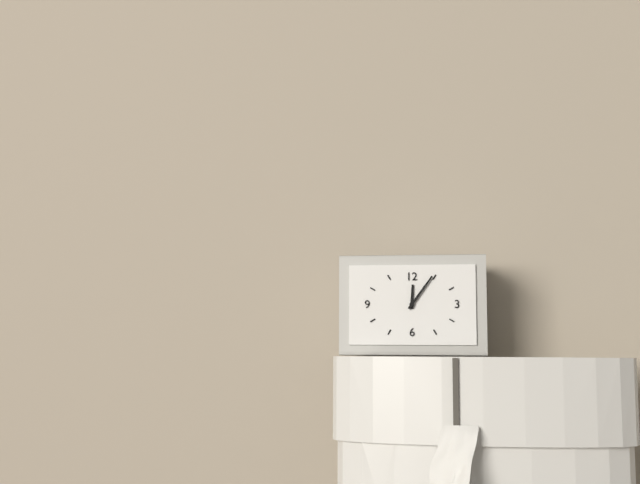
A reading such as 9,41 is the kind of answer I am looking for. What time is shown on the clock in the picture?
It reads 12,06
